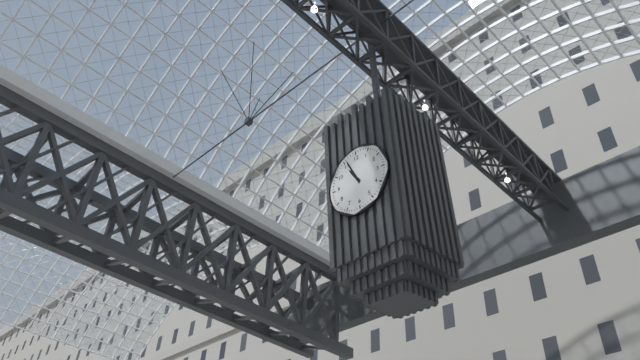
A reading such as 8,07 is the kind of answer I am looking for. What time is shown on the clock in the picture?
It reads 10,56
